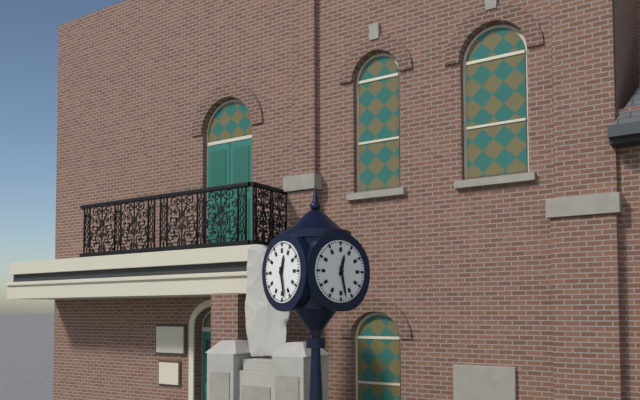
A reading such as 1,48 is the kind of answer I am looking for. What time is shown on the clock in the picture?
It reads 12,28
